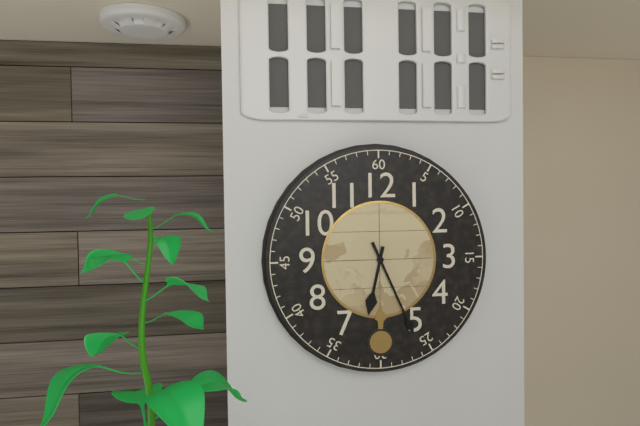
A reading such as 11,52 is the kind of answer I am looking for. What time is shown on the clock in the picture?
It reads 6,26
